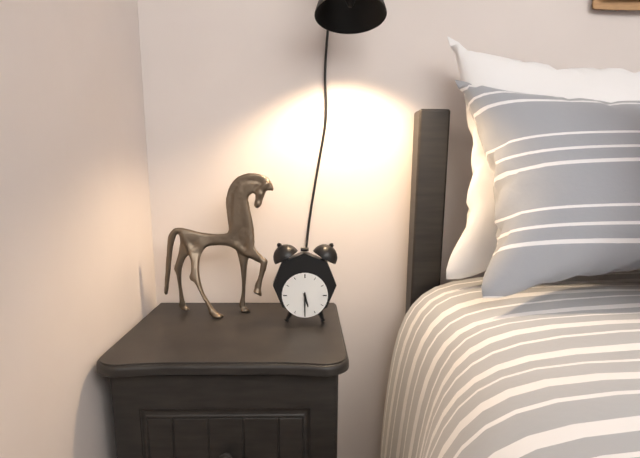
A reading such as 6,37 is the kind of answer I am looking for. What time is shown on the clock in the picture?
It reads 5,30
